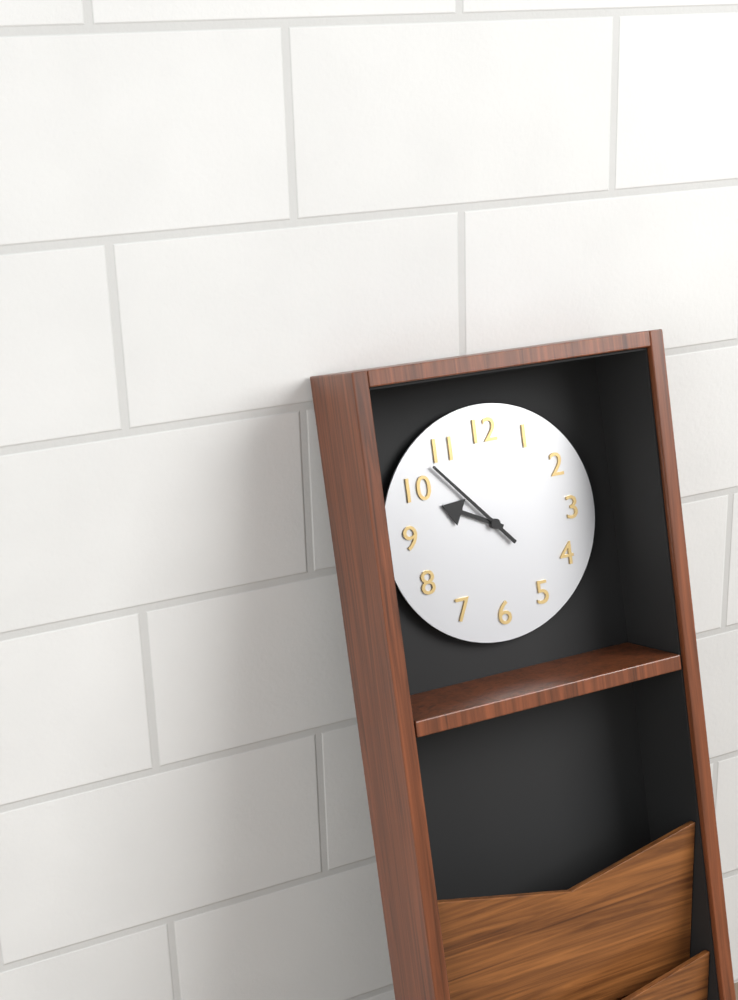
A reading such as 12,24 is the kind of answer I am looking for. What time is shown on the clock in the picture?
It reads 9,53
